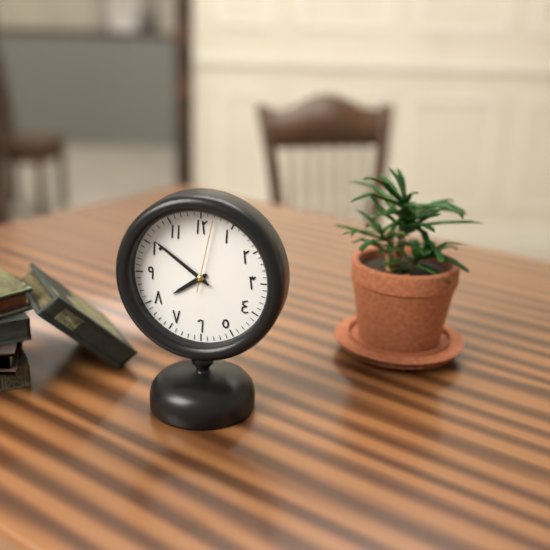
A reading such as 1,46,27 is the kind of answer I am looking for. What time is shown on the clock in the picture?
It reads 7,51,02
